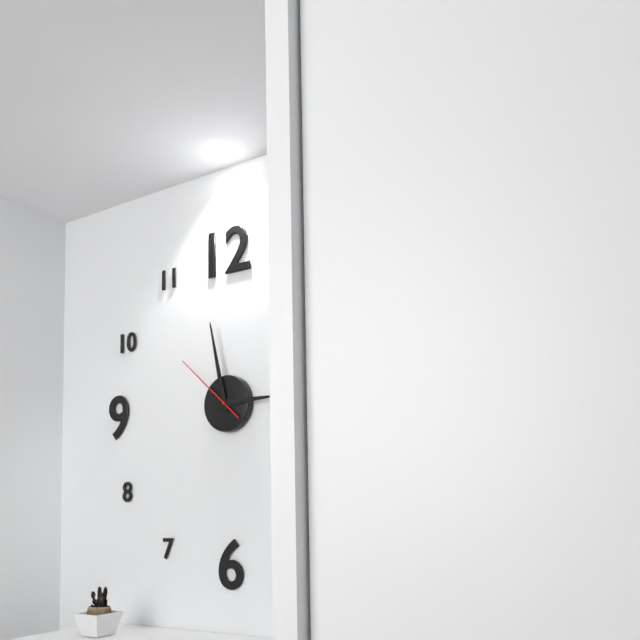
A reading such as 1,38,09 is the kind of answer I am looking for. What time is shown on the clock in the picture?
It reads 2,58,52
